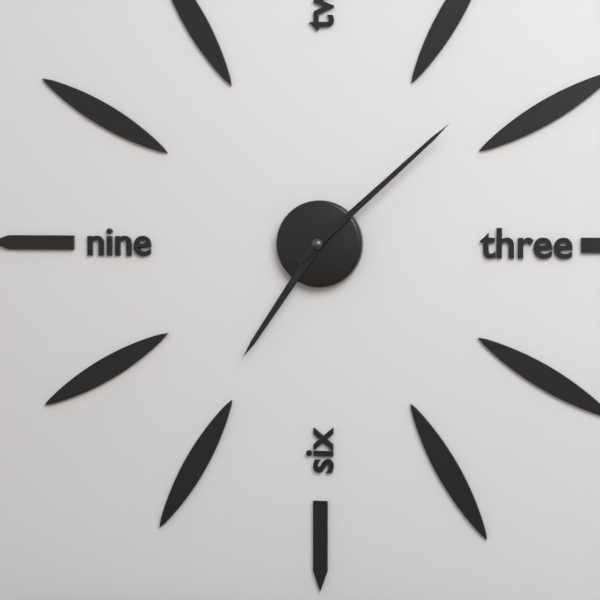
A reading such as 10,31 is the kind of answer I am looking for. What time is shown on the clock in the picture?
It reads 7,08
